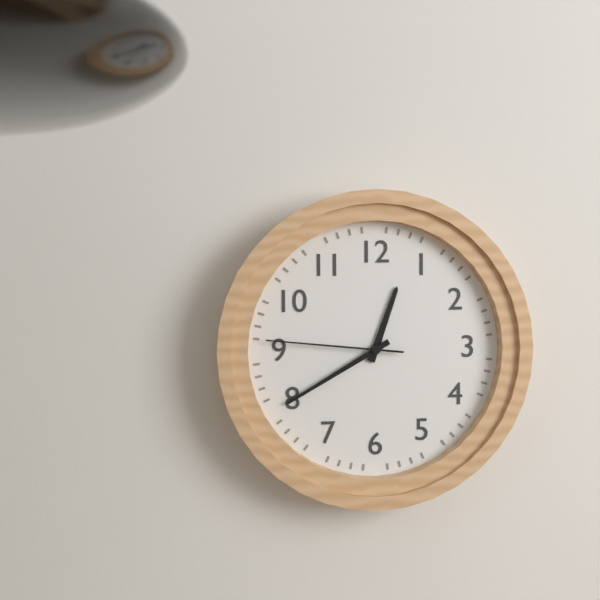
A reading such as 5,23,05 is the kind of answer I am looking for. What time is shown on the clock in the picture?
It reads 12,40,46
